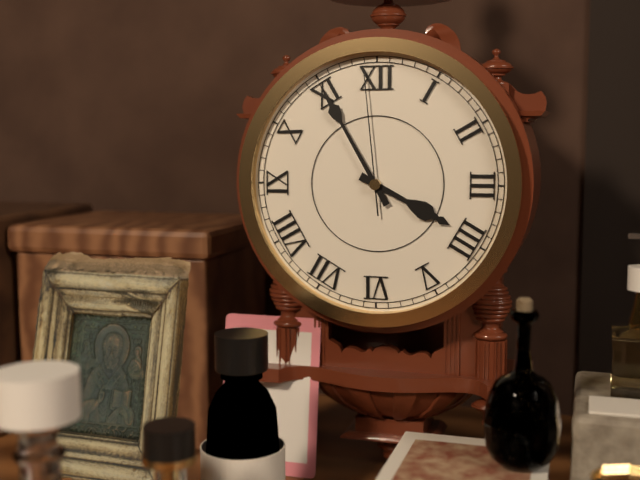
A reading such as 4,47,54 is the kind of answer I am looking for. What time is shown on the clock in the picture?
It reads 3,55,59
